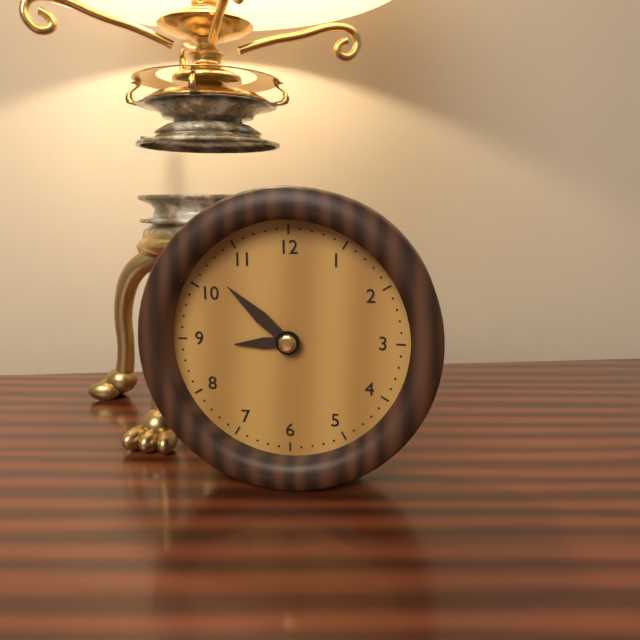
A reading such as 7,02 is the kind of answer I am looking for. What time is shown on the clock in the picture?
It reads 8,52
